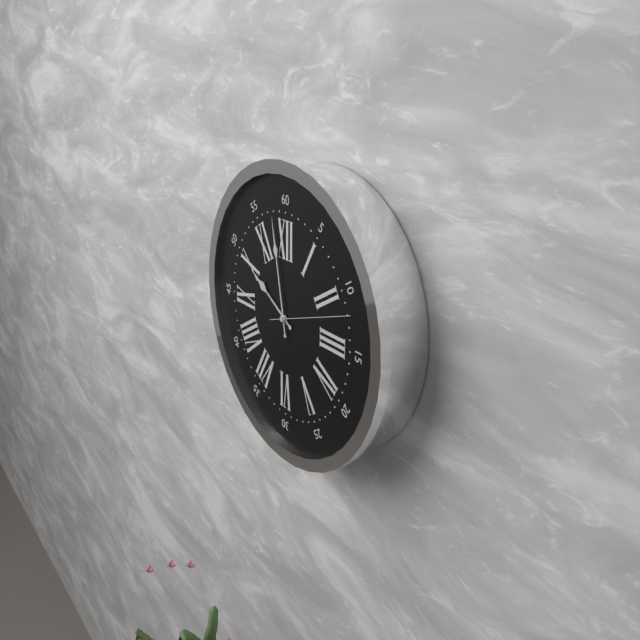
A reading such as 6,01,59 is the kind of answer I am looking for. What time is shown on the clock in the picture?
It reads 9,58,12
